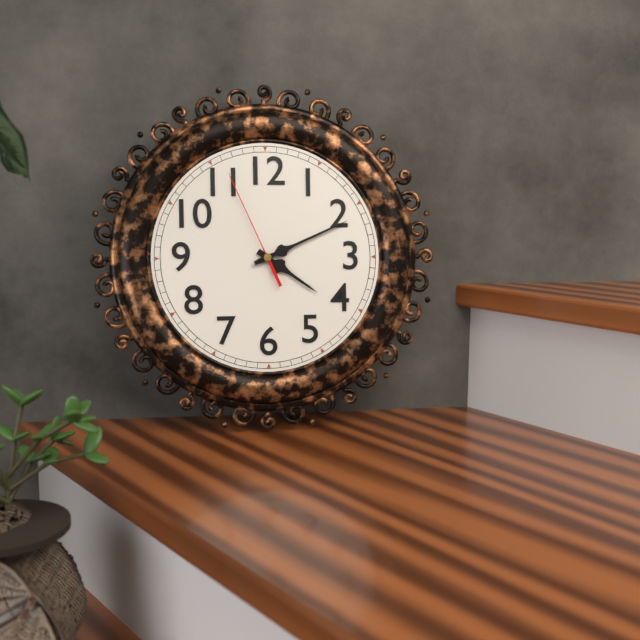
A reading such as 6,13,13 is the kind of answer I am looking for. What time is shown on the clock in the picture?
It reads 4,11,56
